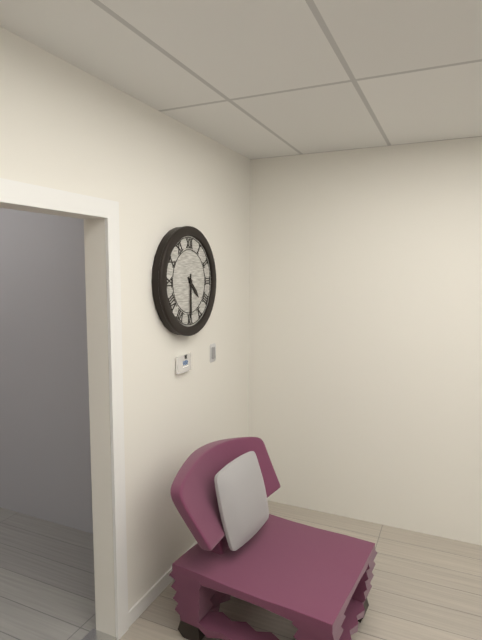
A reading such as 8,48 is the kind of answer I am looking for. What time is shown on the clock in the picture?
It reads 4,30
